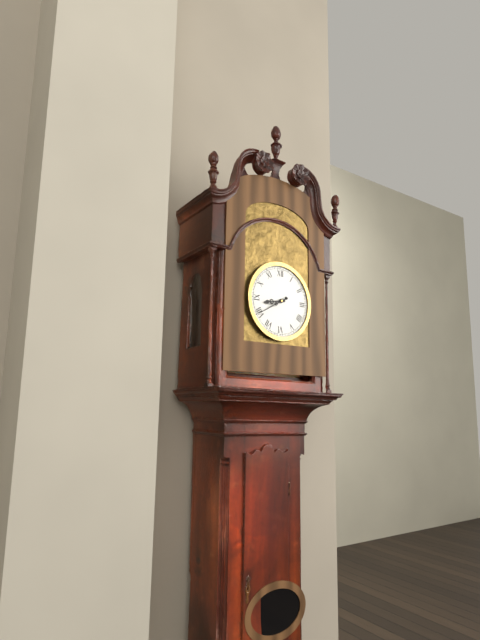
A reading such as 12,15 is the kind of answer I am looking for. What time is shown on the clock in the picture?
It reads 8,40
